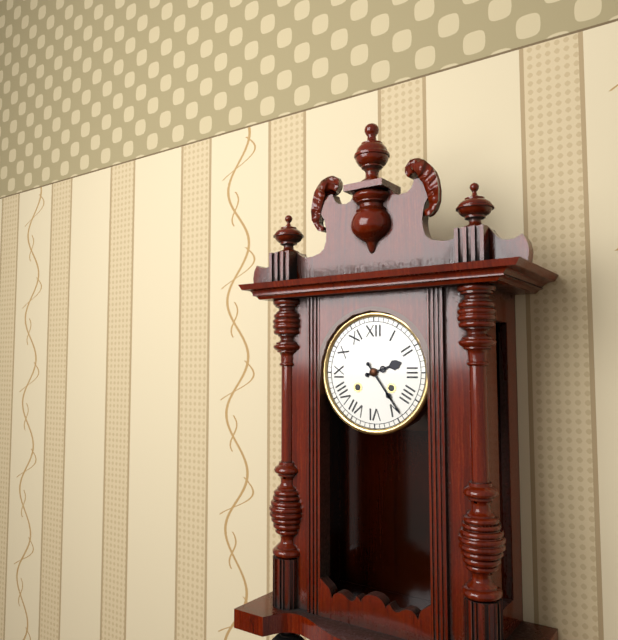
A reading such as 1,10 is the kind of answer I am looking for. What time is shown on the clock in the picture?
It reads 2,24
